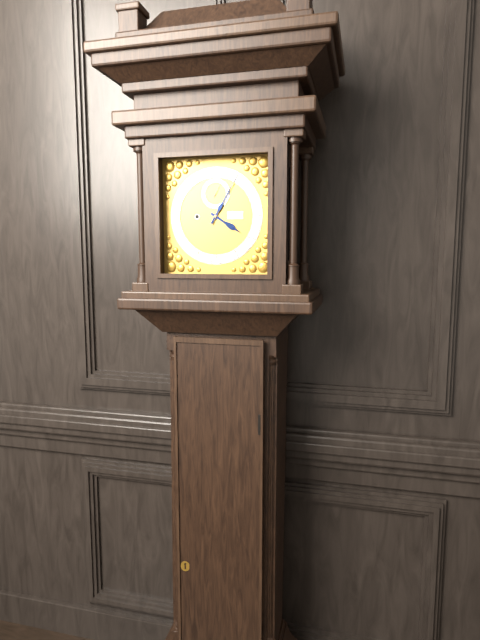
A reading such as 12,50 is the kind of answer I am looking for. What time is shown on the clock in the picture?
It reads 4,05
